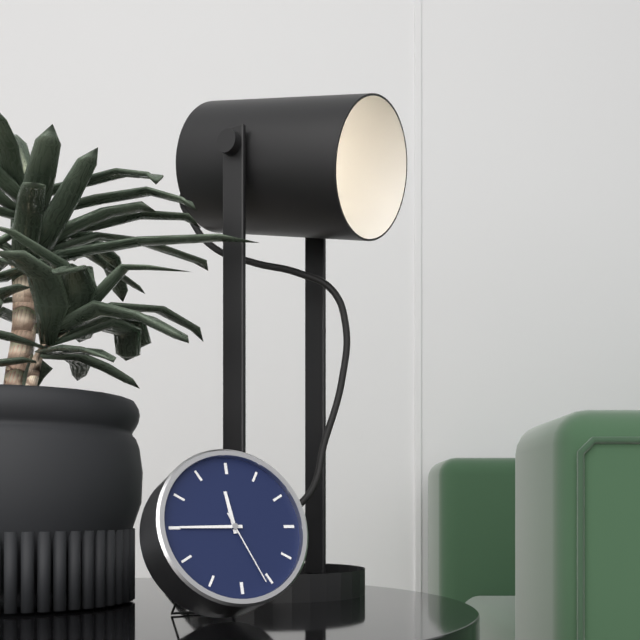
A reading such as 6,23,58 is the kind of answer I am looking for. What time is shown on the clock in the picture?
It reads 11,45,26
